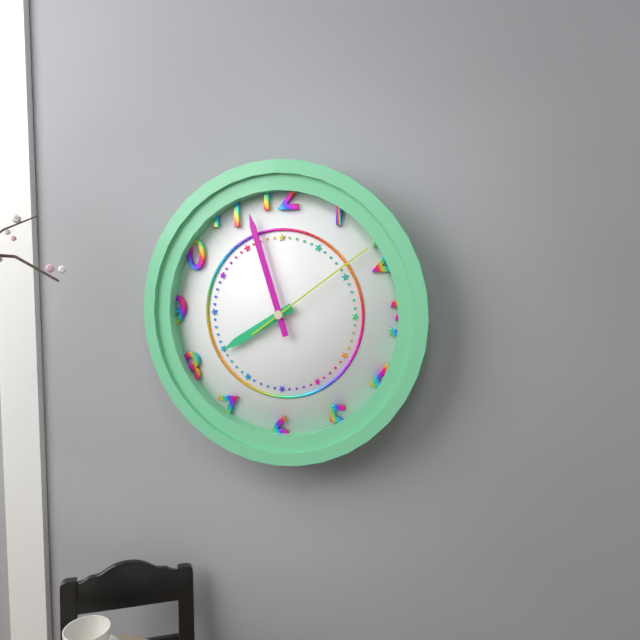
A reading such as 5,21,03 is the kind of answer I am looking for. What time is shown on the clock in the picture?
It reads 7,57,09
